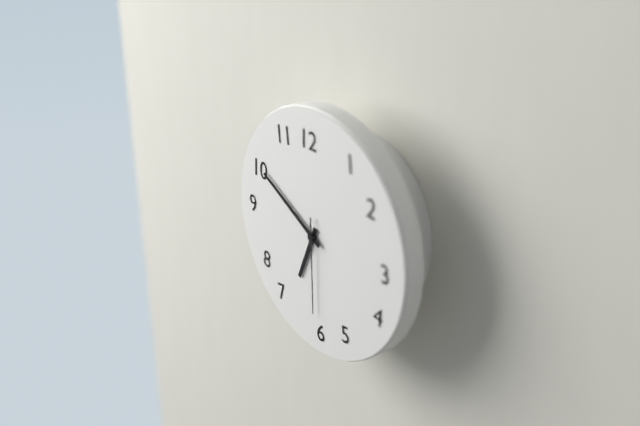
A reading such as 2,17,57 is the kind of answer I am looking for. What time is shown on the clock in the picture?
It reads 6,50,30
